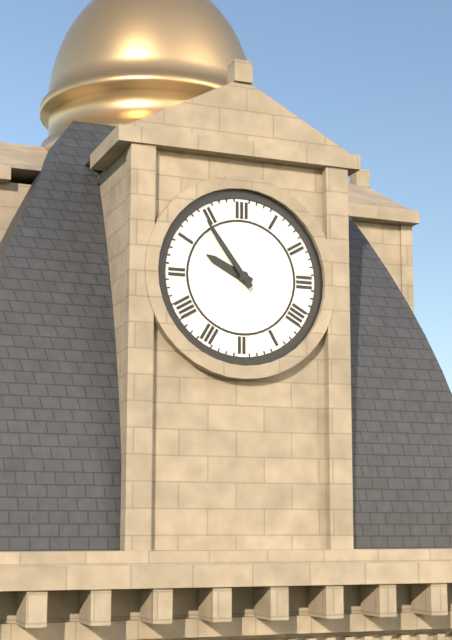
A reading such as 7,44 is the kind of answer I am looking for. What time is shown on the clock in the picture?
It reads 9,54
